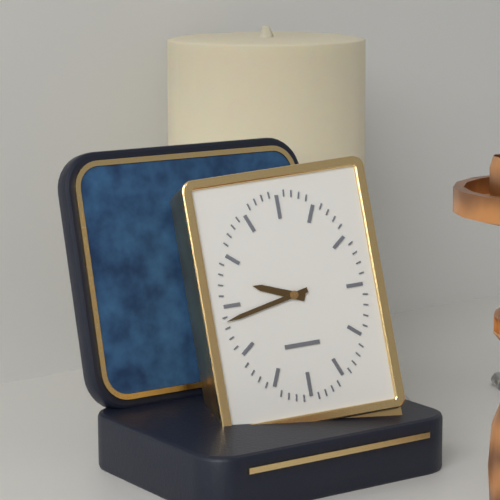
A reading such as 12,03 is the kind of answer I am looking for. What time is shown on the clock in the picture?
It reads 9,43
